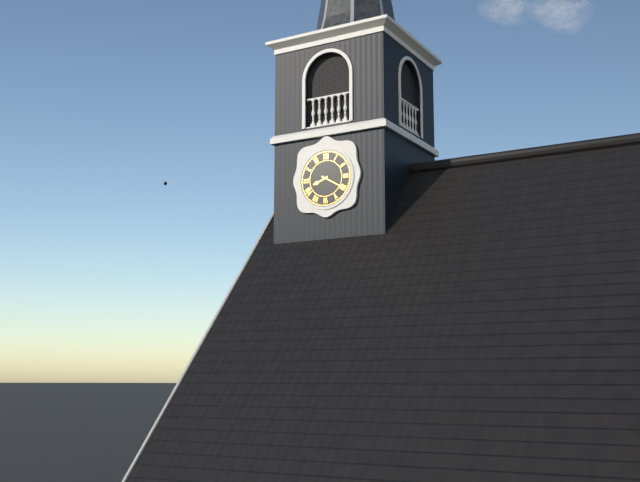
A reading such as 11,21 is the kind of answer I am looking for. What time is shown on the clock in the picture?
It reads 8,20
